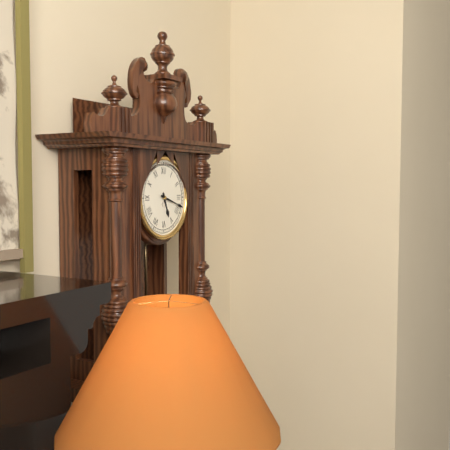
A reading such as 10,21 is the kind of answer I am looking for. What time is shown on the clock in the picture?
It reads 5,18
